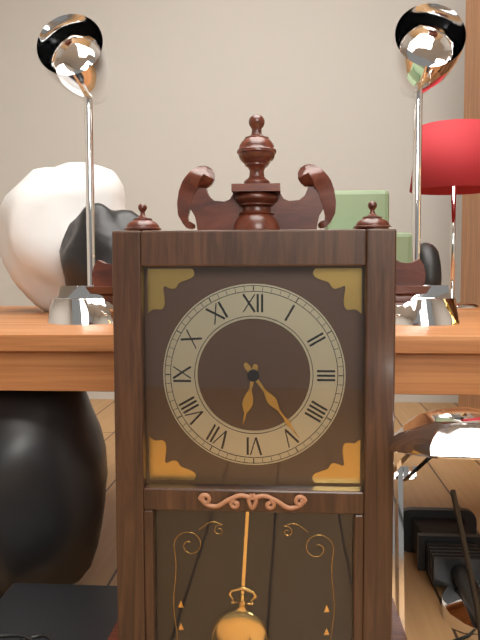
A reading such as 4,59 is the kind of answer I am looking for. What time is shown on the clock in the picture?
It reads 6,24
